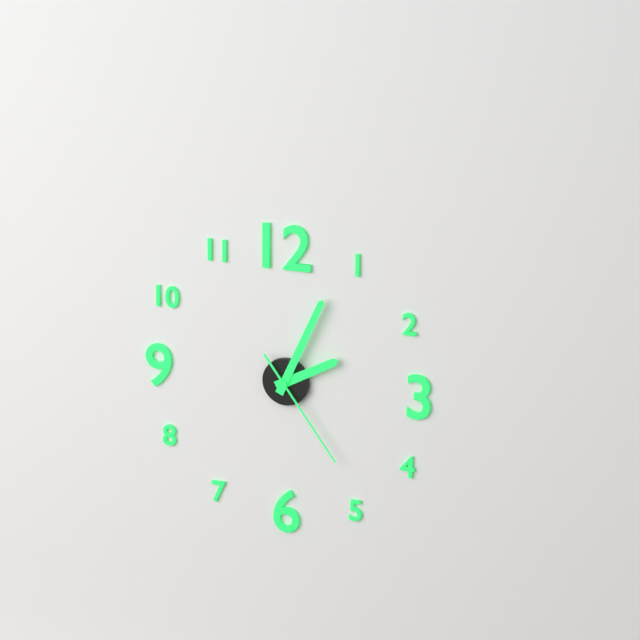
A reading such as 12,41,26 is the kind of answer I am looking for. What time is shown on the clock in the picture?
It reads 2,04,24
